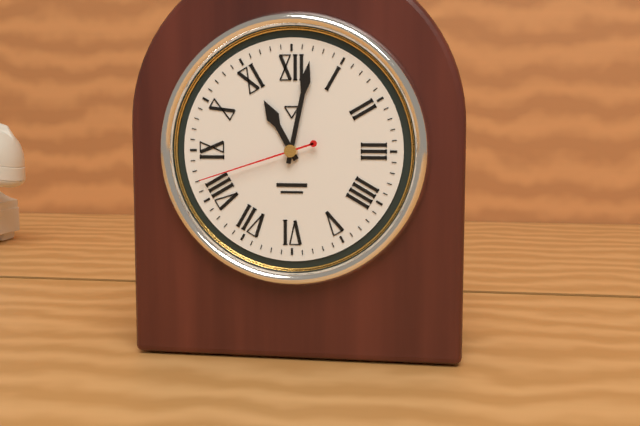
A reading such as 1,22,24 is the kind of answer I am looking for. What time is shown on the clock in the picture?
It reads 11,02,42
